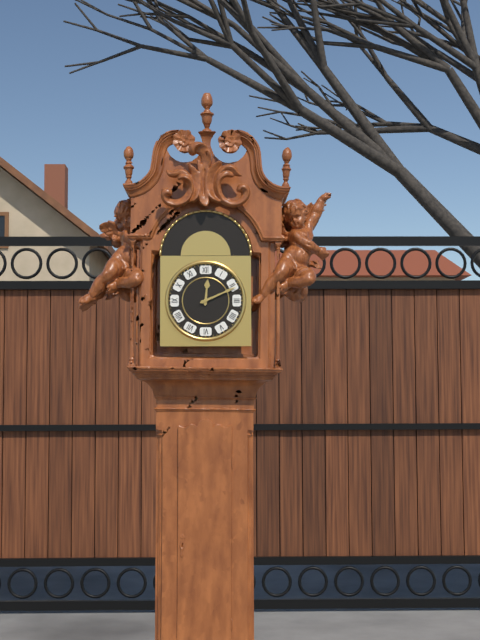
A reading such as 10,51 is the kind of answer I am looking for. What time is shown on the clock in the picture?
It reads 12,11
